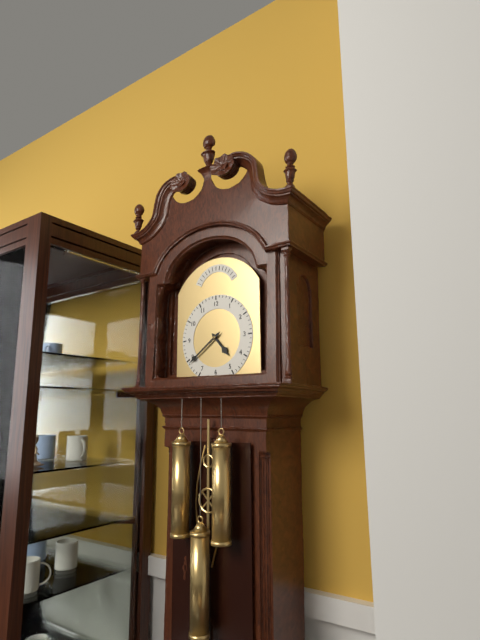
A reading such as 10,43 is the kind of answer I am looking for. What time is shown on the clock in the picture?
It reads 4,39
